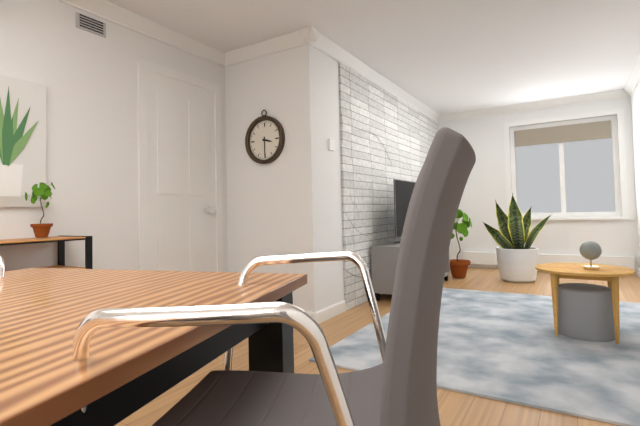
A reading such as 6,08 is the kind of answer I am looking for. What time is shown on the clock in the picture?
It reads 3,30
